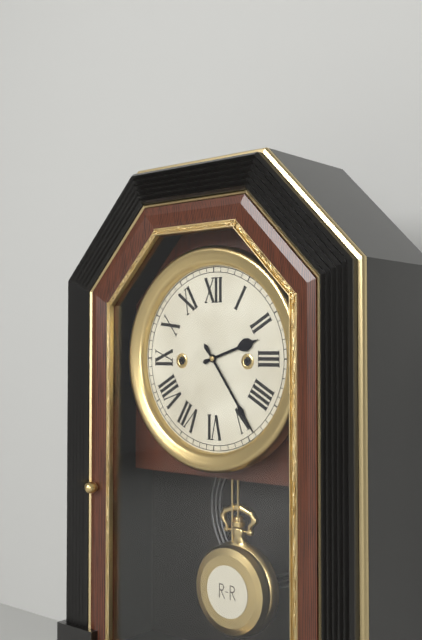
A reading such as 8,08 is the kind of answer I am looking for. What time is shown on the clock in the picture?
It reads 2,24
